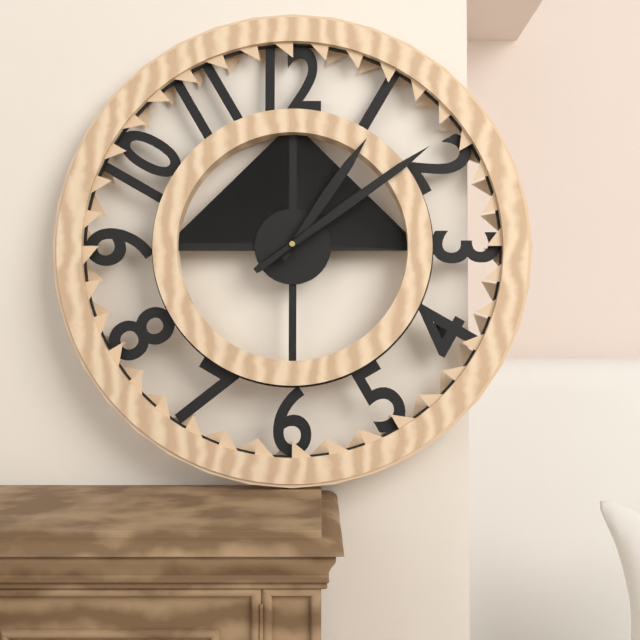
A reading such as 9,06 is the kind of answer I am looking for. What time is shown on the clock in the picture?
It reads 1,09
